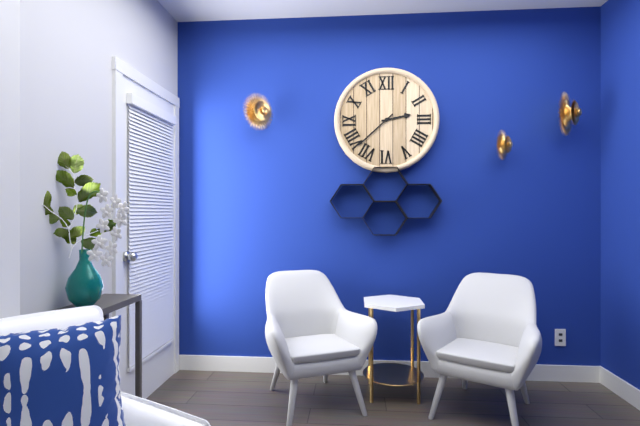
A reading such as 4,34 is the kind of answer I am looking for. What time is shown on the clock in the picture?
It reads 2,38
